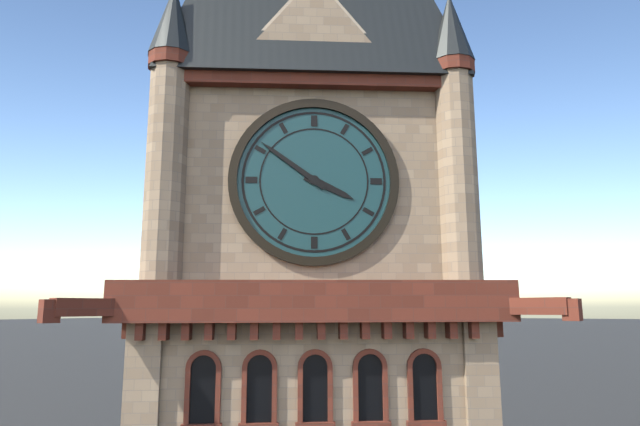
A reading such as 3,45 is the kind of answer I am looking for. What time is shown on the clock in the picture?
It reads 3,51
